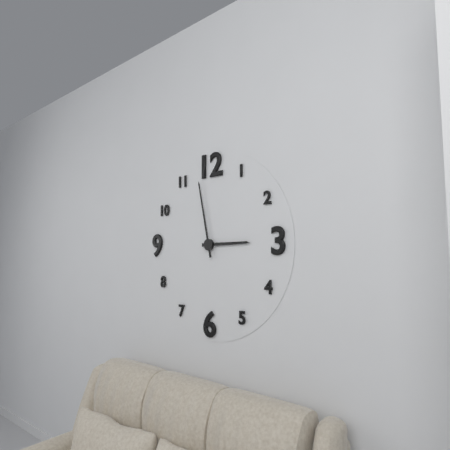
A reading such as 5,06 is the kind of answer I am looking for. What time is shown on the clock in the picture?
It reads 2,58
